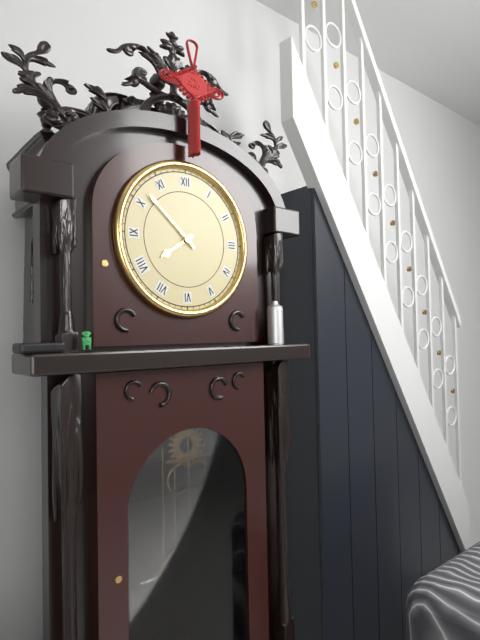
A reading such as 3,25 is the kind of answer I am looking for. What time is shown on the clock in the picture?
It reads 7,52
